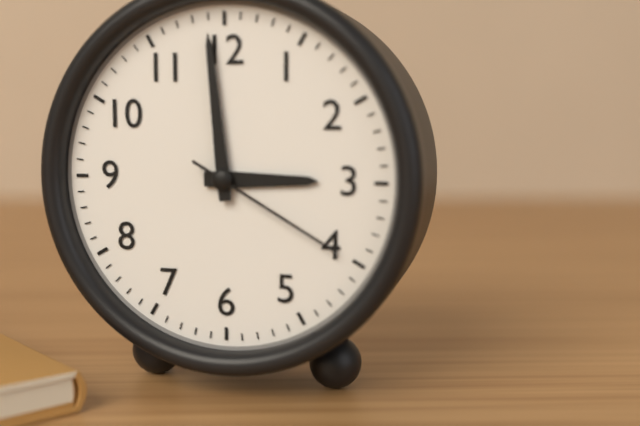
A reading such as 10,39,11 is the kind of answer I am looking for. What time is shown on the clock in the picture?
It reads 2,59,20
